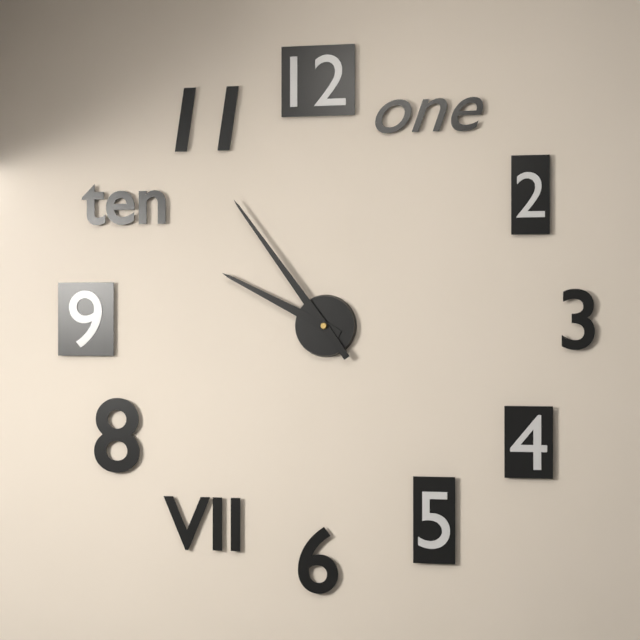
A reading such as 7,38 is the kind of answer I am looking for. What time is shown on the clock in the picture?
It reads 9,54
